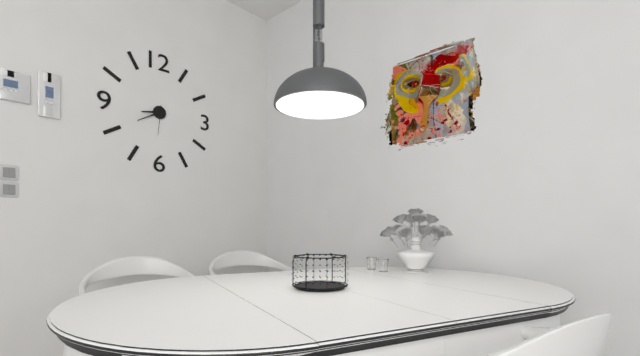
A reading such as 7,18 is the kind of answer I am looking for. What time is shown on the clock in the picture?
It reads 8,40
